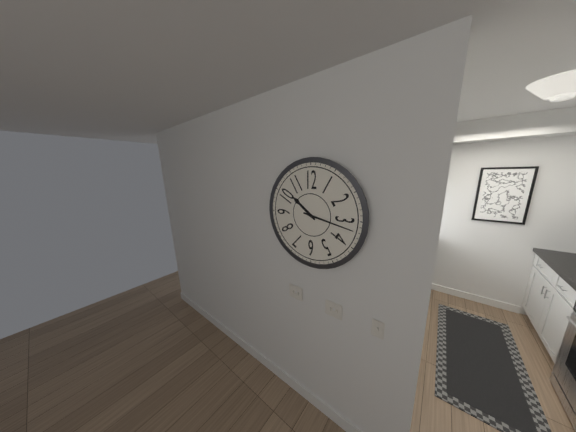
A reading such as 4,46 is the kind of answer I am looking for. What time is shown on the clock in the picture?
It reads 10,17
